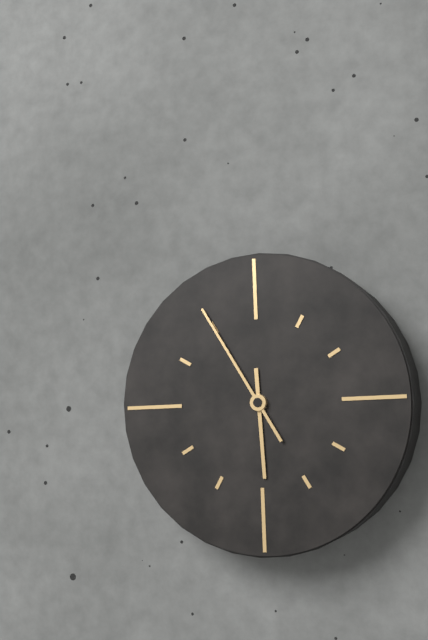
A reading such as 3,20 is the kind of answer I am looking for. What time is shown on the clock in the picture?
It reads 5,55
